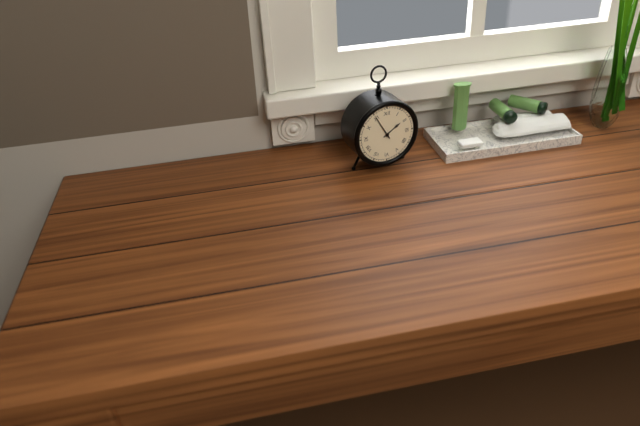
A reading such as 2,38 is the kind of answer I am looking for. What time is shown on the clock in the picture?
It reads 1,55
